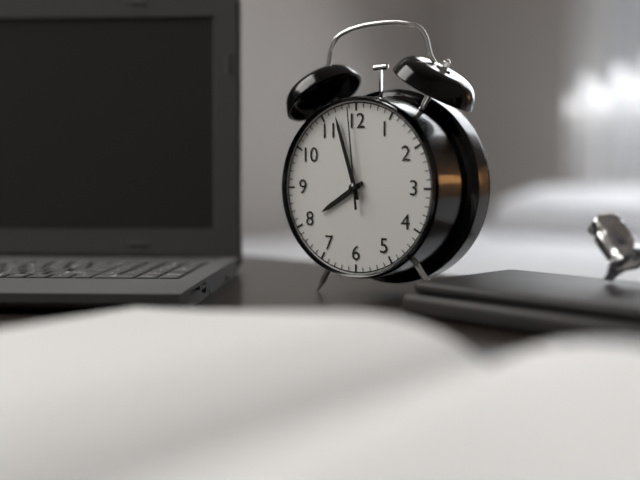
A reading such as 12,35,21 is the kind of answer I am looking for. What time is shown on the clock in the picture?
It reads 7,57,59
